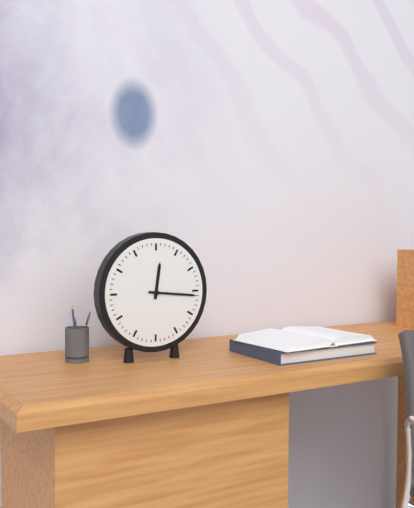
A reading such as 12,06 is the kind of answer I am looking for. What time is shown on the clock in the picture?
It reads 12,16
